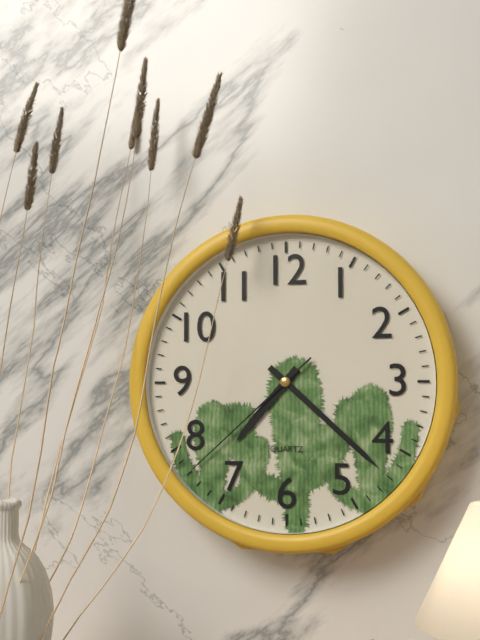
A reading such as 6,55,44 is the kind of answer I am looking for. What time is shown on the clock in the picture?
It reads 7,22,38
